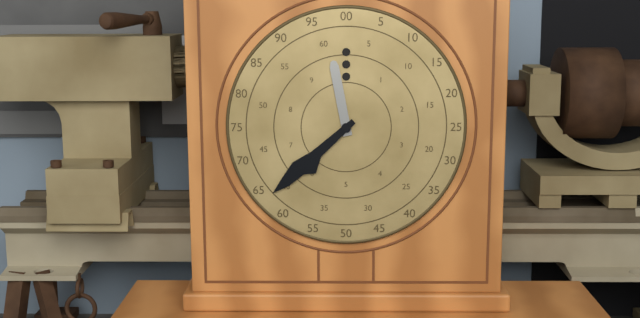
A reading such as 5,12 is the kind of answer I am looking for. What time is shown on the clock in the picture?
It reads 11,38
